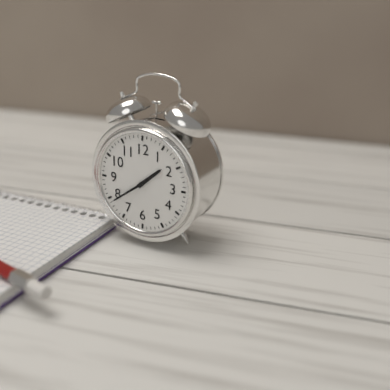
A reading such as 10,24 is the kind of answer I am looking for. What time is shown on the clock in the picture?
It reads 1,39
